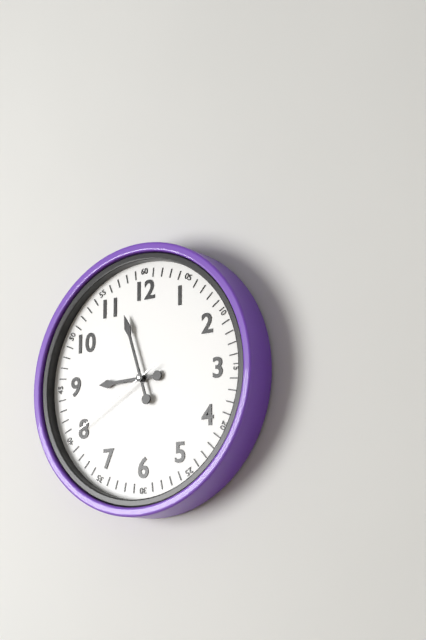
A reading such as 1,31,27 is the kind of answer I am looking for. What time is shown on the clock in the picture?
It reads 8,57,40
